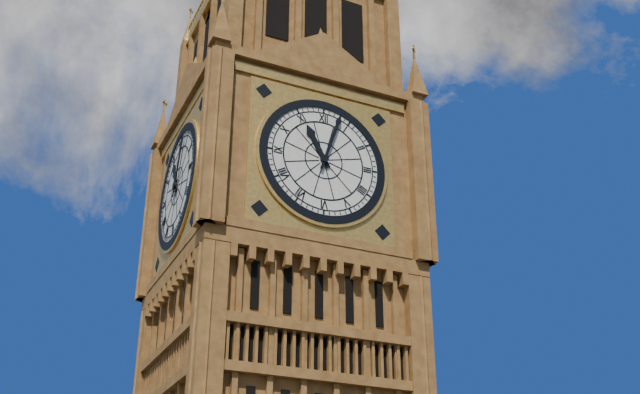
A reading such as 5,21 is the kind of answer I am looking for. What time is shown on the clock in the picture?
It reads 11,03
